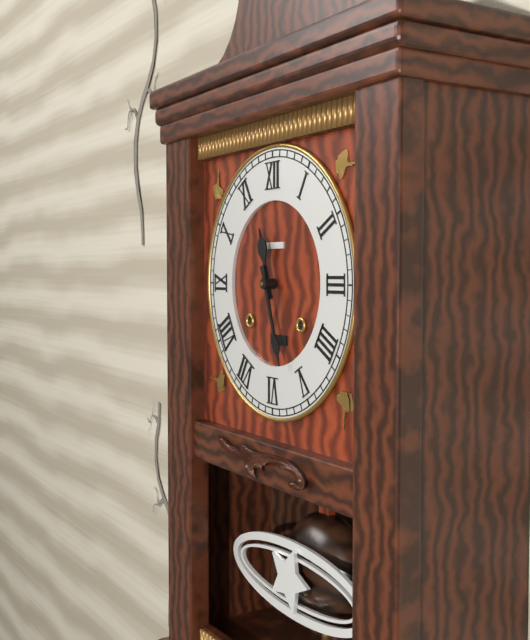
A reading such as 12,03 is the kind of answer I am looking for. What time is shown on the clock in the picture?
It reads 11,27
